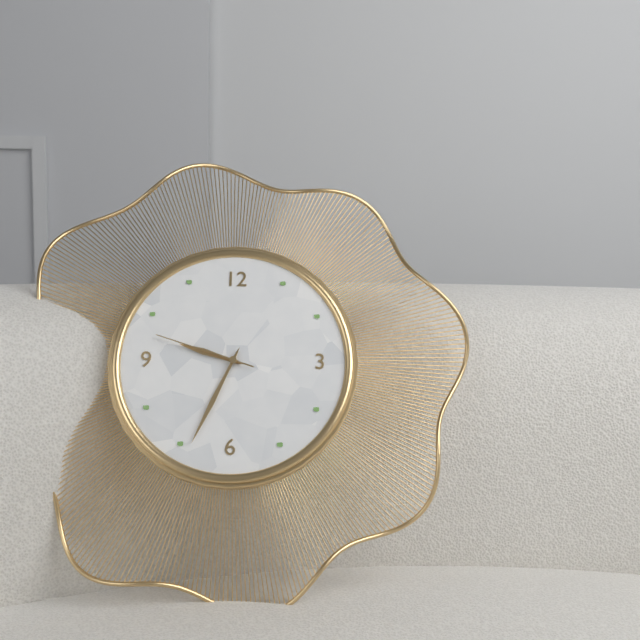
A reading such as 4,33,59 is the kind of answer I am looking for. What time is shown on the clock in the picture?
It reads 9,34,48
